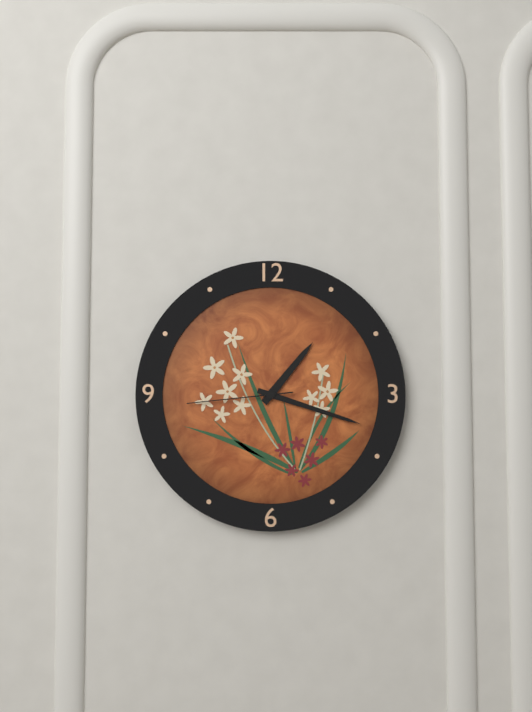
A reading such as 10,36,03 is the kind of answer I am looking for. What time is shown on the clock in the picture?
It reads 1,18,44
